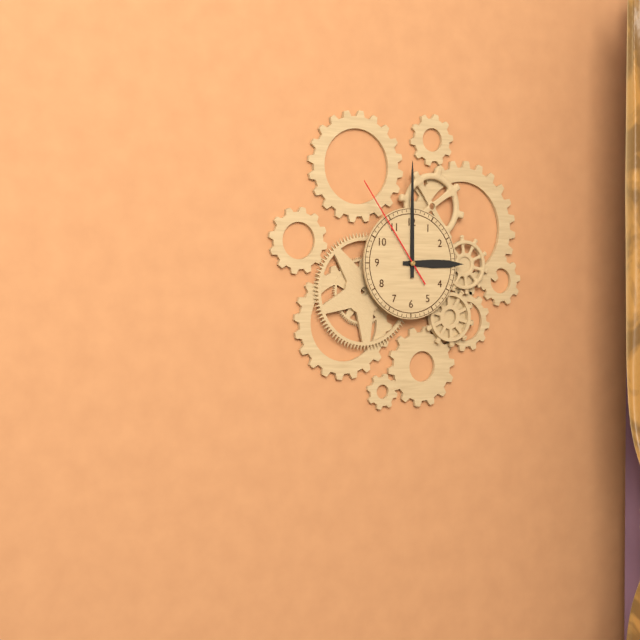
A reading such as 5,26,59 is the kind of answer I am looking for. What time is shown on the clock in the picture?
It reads 3,00,54
